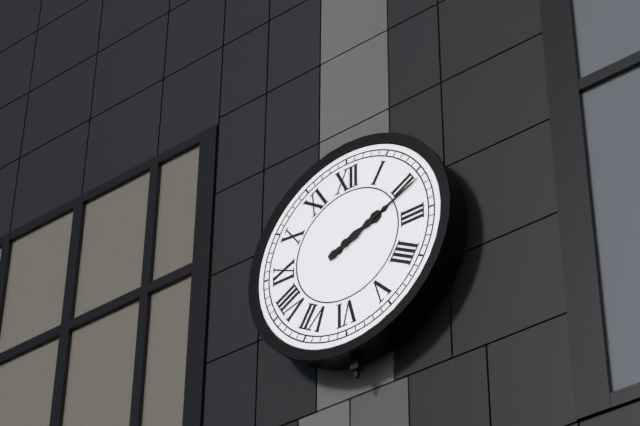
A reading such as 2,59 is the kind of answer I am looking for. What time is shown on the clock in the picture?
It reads 2,11
